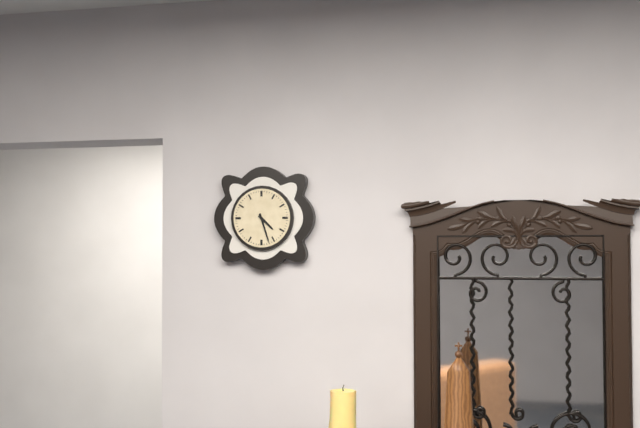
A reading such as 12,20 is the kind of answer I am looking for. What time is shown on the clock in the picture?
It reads 4,27
